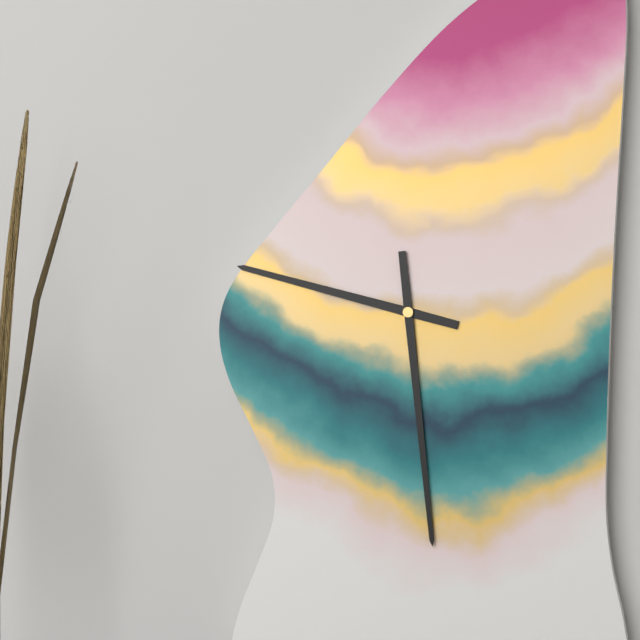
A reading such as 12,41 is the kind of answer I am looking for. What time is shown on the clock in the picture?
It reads 9,29
